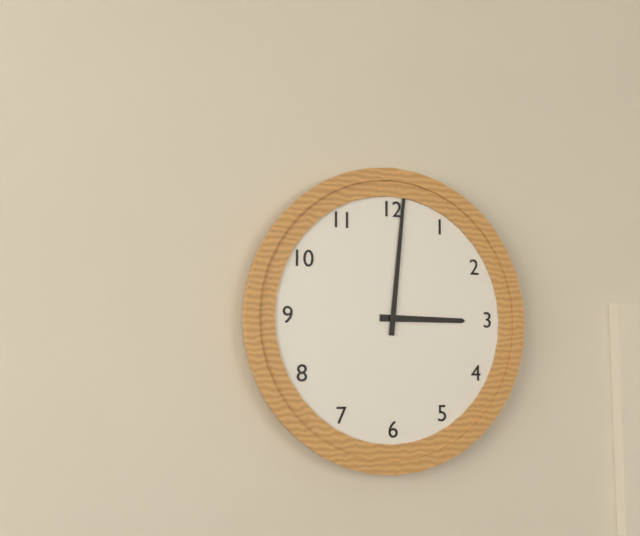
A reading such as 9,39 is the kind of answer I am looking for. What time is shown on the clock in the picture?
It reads 3,01
